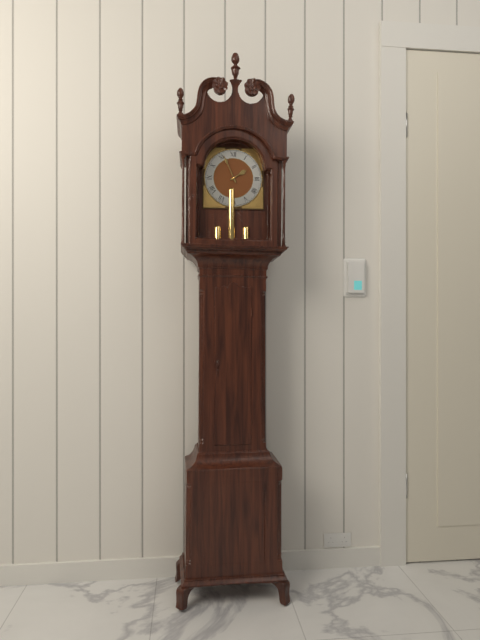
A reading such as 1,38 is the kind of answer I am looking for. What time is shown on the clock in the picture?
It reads 1,56
